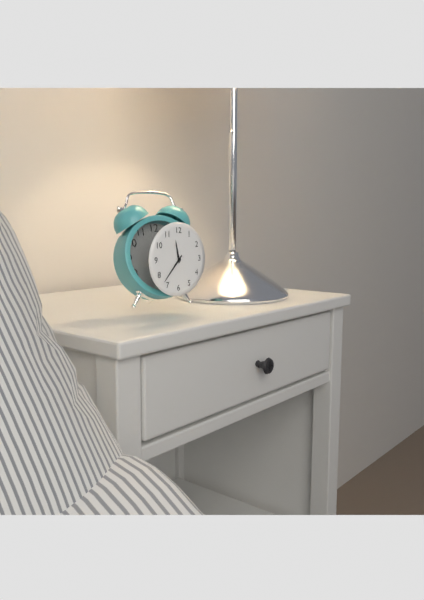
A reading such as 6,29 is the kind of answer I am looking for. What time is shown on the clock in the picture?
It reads 11,37
